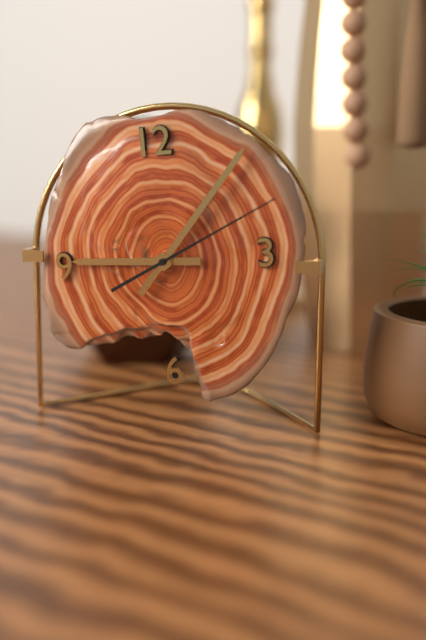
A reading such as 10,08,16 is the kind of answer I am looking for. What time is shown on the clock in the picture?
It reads 9,07,11
